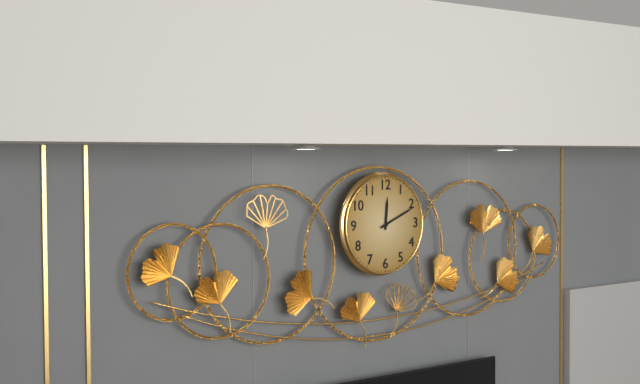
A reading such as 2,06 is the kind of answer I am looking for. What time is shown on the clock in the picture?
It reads 12,11
